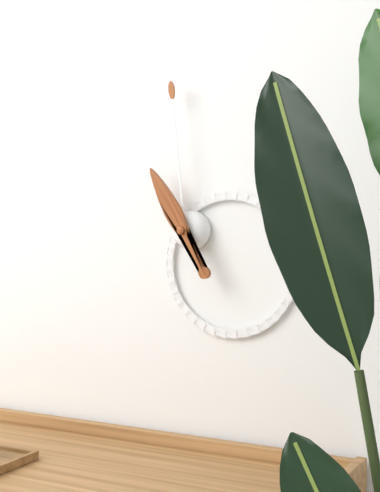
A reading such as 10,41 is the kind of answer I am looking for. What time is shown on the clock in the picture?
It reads 10,59
